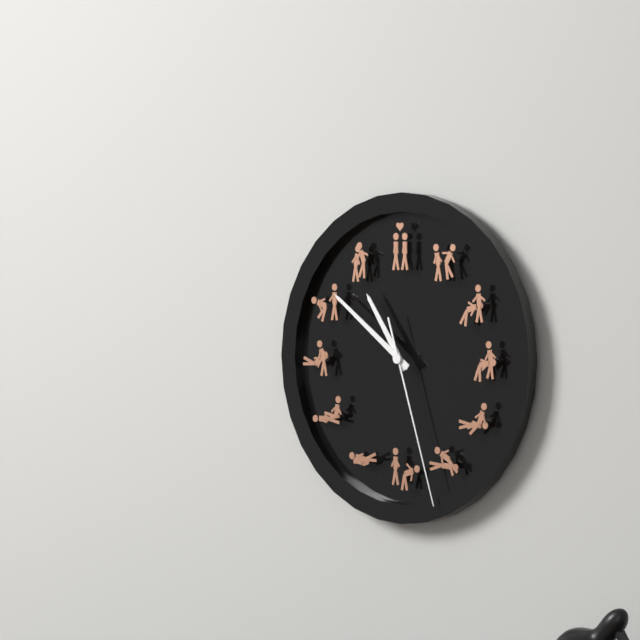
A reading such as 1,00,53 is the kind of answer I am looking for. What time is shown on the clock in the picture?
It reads 10,51,27
